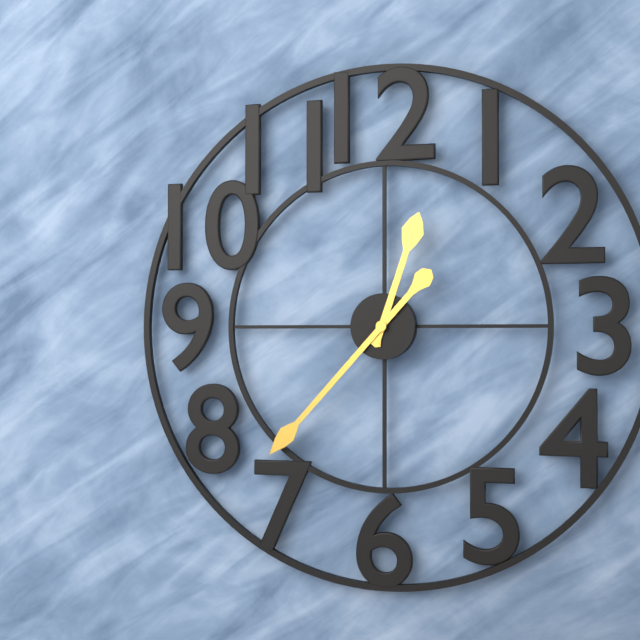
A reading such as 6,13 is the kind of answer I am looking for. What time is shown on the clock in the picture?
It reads 12,37
